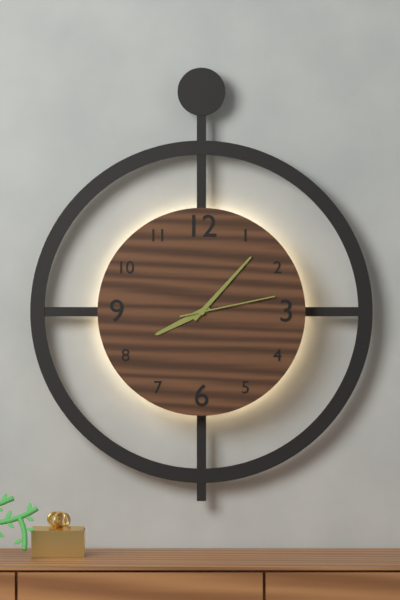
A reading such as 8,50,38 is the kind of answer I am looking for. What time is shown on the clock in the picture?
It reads 8,07,13
